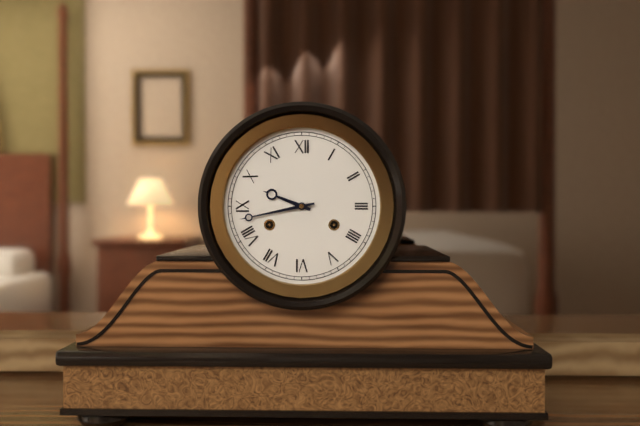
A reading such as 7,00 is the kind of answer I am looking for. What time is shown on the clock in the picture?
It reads 9,43
